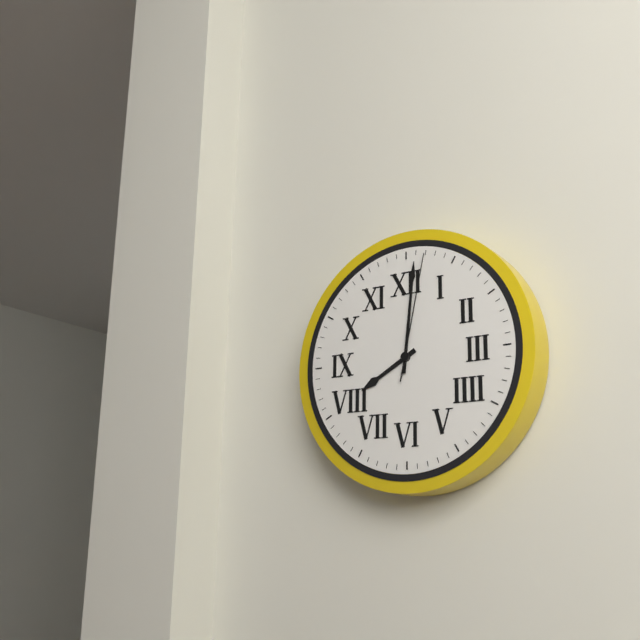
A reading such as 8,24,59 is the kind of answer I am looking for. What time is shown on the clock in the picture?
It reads 8,01,02
